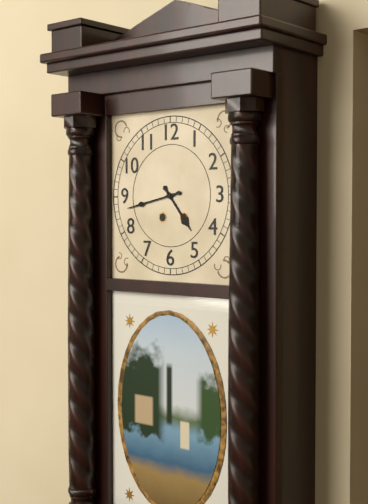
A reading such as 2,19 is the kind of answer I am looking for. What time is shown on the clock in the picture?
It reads 4,43
